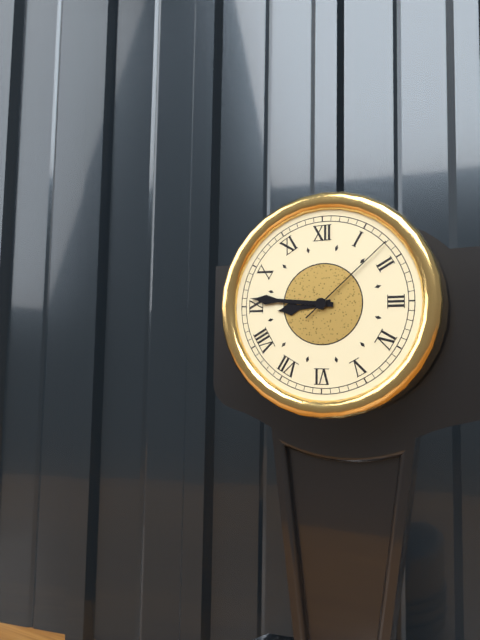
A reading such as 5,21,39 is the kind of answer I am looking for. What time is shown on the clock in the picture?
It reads 8,46,08
